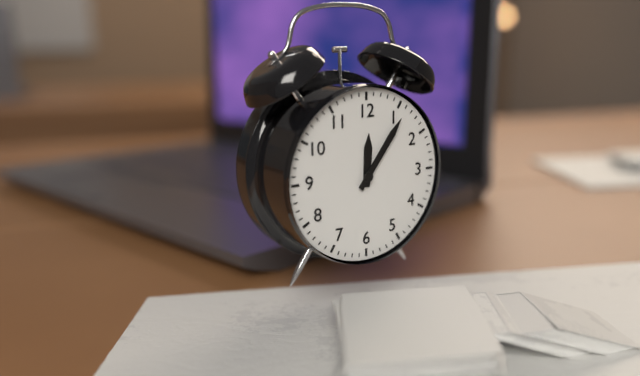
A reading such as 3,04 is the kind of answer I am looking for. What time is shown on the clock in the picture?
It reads 12,06
